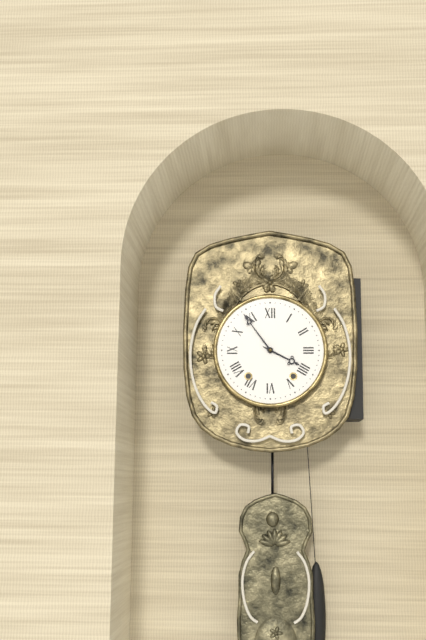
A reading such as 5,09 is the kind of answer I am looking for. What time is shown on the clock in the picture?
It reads 3,54
